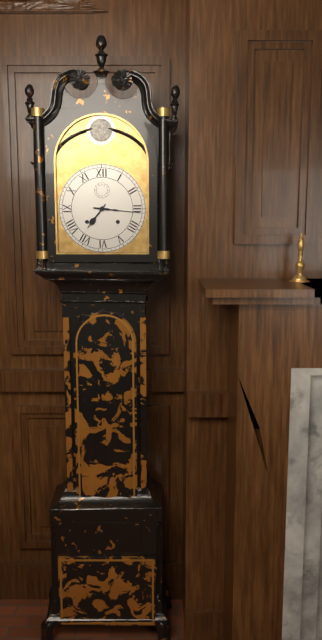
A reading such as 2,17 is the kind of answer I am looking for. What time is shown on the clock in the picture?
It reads 7,16
